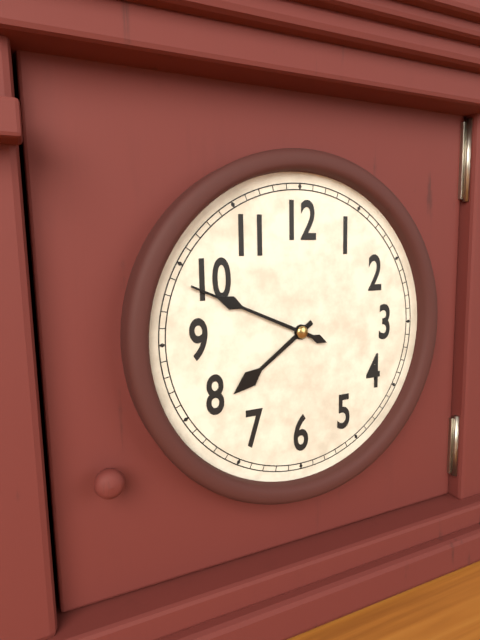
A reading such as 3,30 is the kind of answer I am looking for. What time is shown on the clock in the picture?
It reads 7,49
